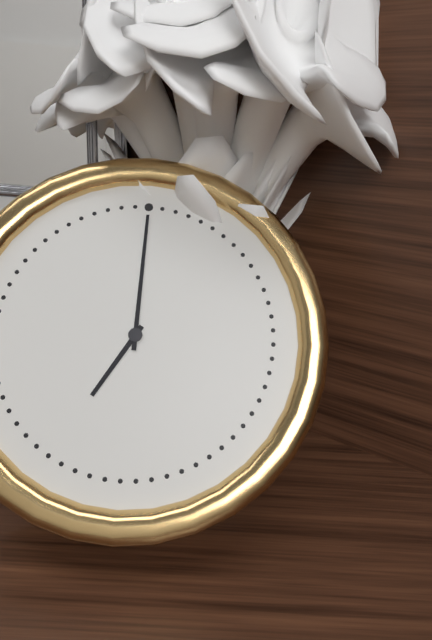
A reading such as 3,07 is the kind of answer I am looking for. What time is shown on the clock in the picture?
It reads 7,00
